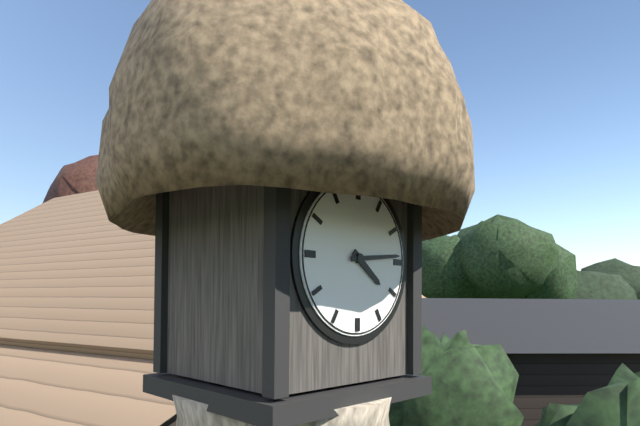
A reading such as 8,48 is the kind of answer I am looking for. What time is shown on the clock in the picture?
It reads 4,14
